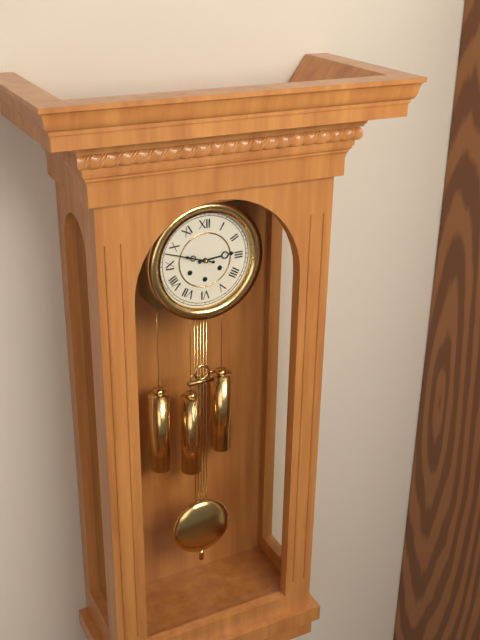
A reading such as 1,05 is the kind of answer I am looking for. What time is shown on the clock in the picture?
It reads 2,48
